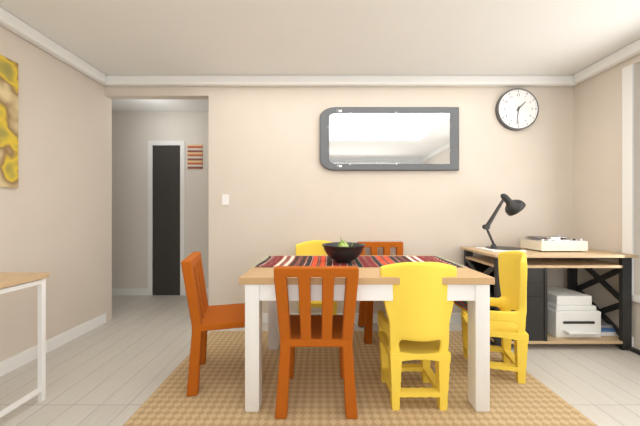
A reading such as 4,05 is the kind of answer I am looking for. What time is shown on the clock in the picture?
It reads 1,31
